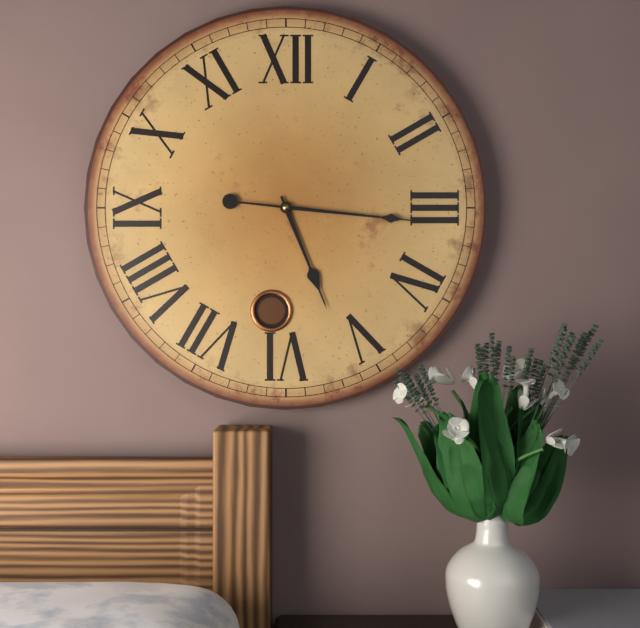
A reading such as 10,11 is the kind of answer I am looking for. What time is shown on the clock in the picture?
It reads 5,16
